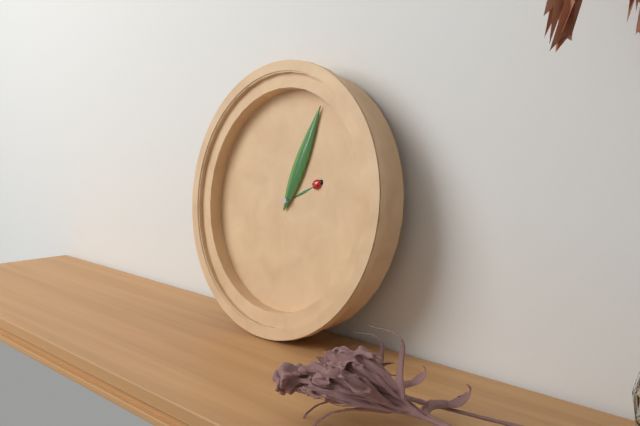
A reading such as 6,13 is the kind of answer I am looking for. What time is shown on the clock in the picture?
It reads 2,03
